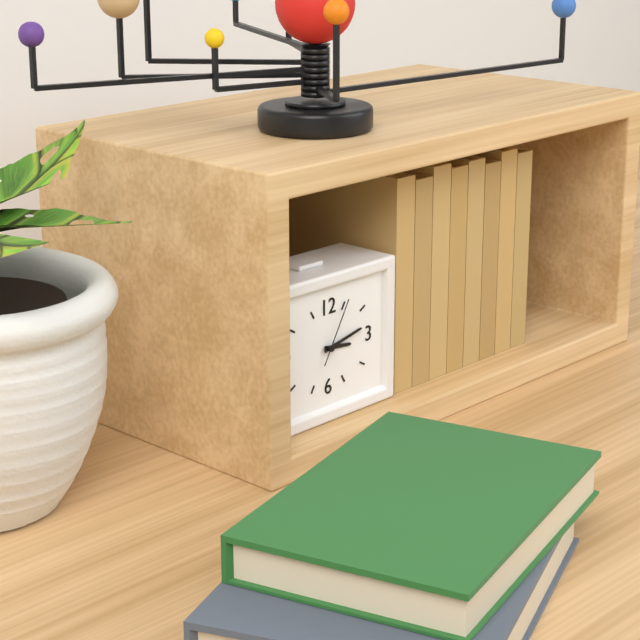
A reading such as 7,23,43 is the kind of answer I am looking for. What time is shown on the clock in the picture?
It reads 3,13,05
